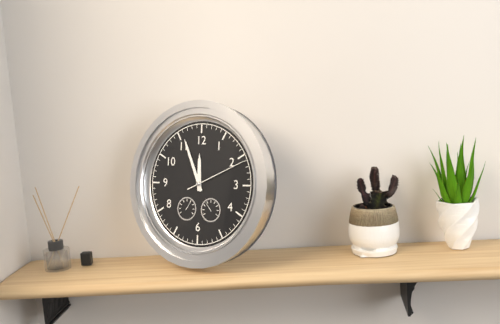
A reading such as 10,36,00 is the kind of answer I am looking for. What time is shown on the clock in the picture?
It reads 11,56,11
